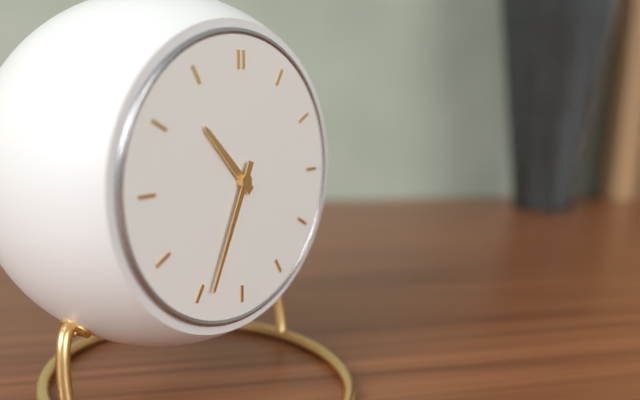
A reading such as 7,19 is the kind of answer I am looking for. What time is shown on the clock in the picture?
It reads 10,34
